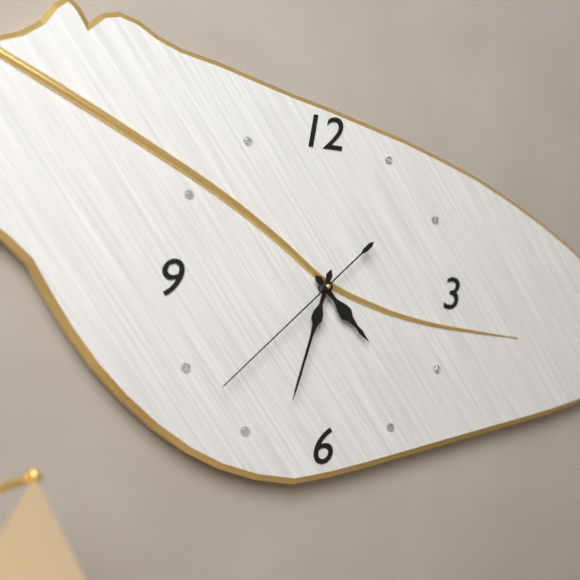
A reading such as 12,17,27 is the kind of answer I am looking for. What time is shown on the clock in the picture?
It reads 4,33,38
